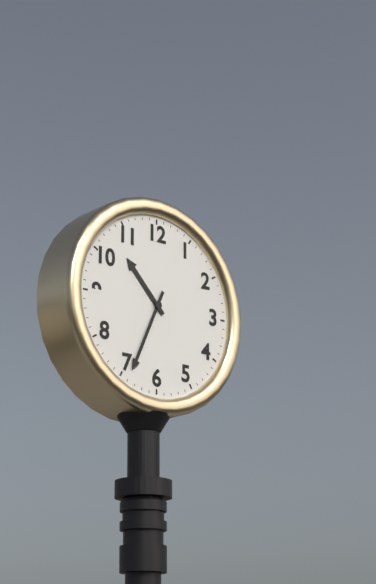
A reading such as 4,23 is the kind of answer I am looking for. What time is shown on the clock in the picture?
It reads 10,34
